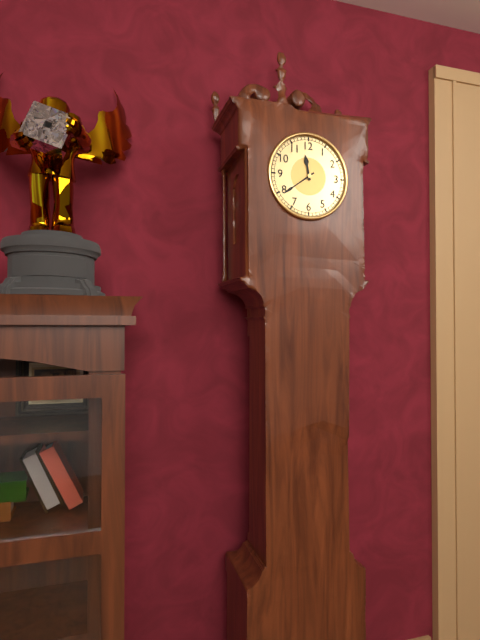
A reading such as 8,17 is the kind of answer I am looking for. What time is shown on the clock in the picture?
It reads 11,39
